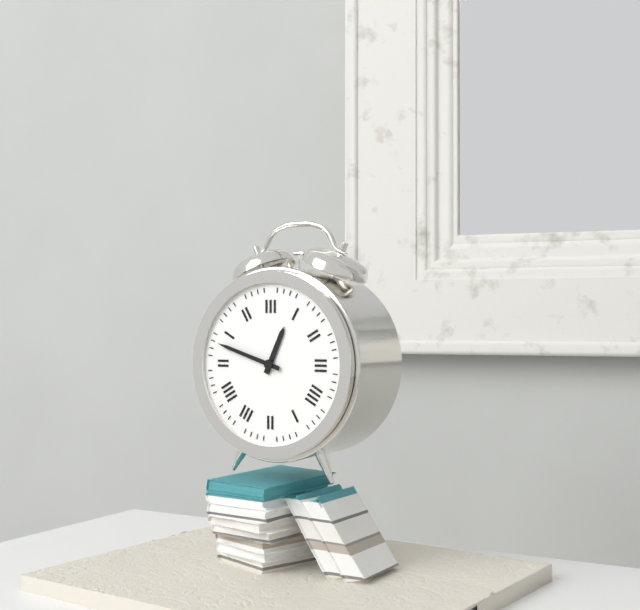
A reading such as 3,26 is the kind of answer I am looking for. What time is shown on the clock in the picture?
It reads 12,48
